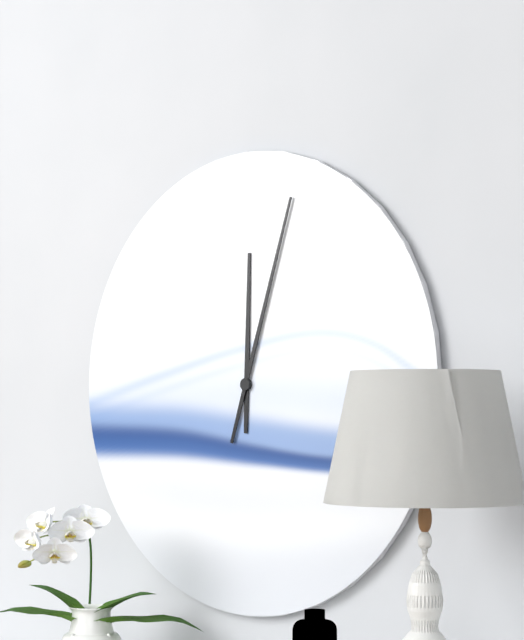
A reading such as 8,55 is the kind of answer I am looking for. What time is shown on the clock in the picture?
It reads 12,03
